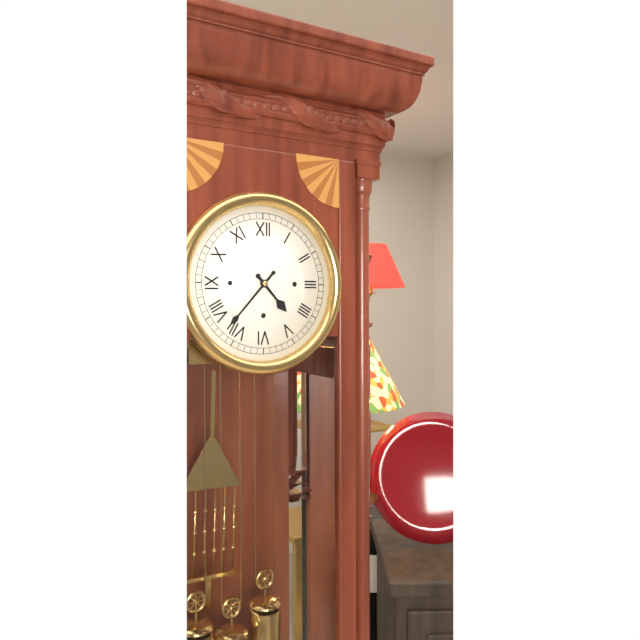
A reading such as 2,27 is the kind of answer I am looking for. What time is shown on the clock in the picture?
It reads 4,37
